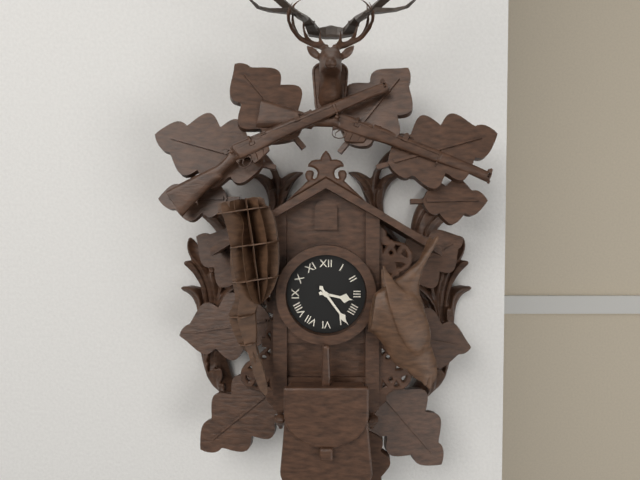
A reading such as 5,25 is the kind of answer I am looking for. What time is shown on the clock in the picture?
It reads 3,24
